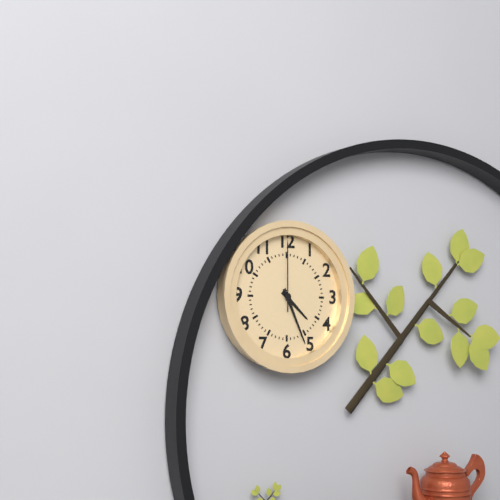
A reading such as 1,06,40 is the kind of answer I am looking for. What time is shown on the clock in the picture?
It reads 4,26,00
